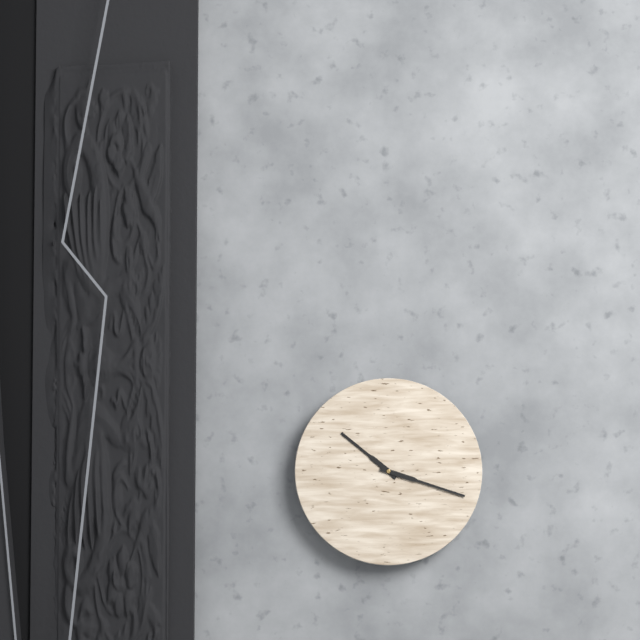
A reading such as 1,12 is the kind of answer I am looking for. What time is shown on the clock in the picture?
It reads 10,18
